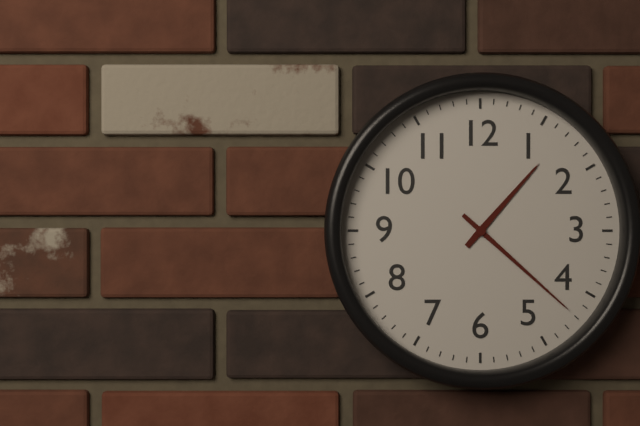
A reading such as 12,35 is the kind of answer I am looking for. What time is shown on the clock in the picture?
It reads 1,22
